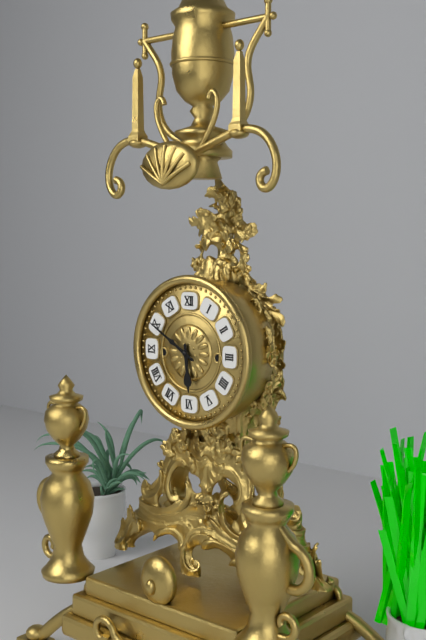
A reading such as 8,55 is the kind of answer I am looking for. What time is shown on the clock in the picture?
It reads 5,50
